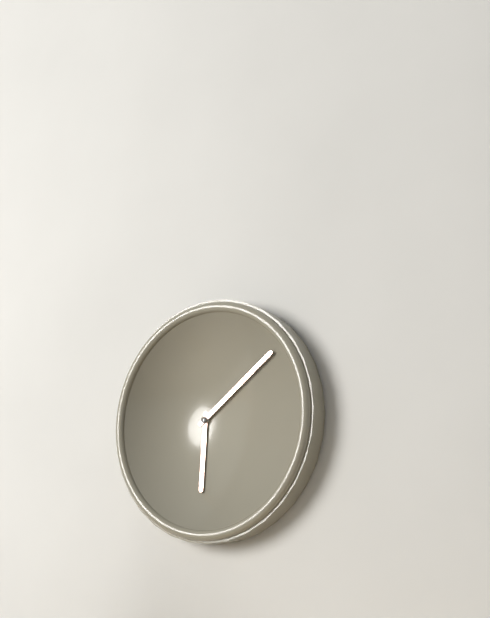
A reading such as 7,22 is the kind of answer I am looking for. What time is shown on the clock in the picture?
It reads 6,09
